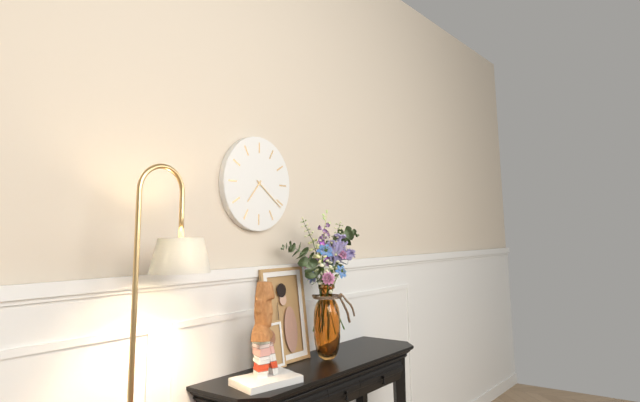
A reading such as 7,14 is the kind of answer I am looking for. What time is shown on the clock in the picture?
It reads 7,21
